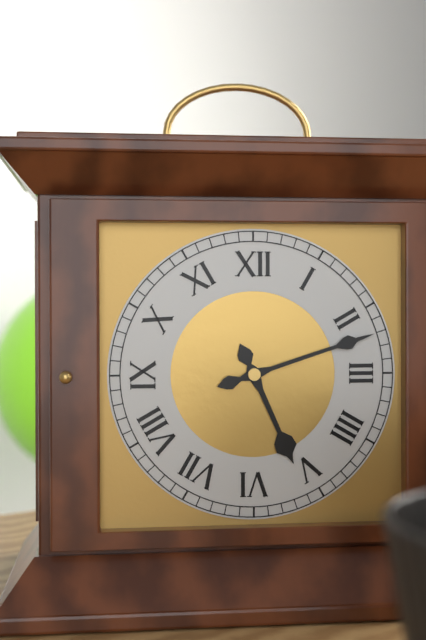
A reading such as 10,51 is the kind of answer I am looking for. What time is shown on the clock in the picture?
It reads 5,12
